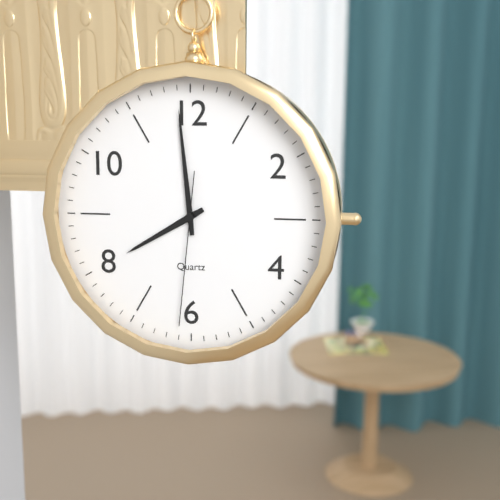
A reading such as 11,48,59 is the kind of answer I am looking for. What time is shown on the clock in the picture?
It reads 7,59,31
